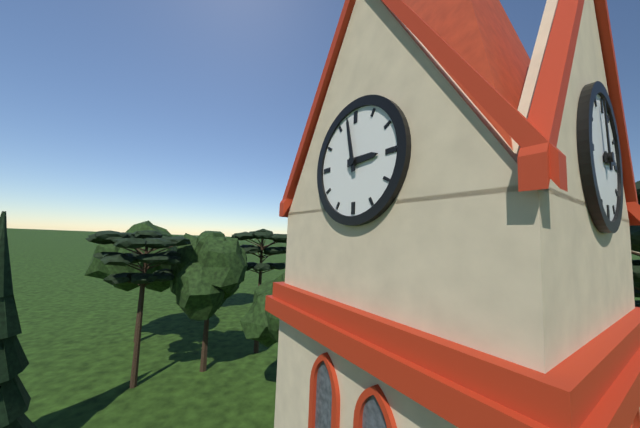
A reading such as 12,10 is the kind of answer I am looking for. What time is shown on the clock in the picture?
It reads 2,58
